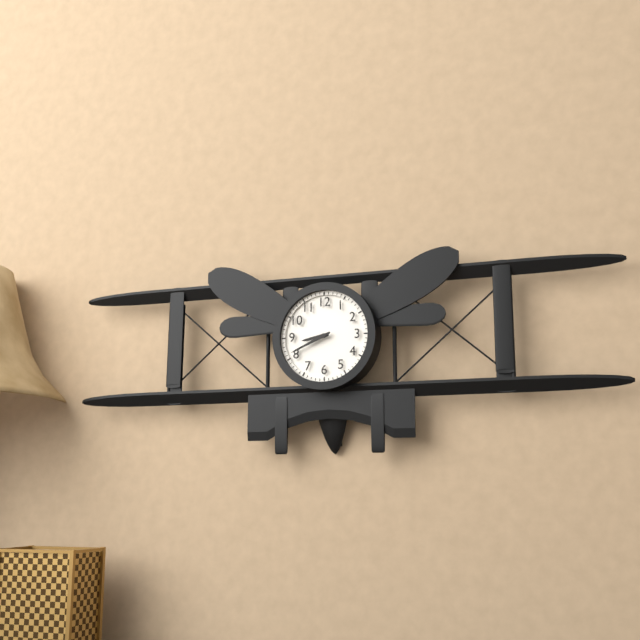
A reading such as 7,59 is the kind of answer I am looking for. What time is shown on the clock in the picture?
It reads 8,41
